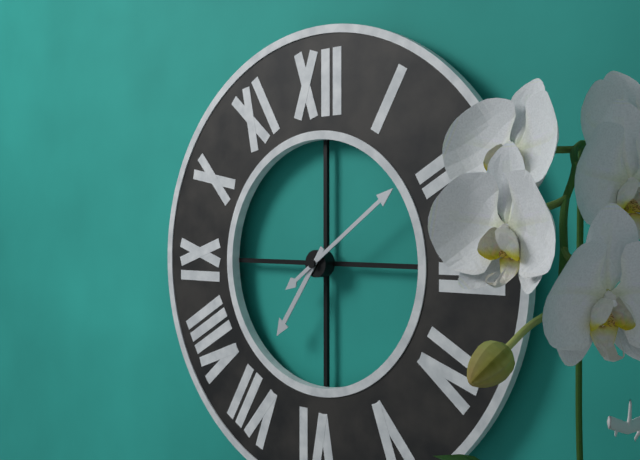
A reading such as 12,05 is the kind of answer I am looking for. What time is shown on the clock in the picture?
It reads 7,09
